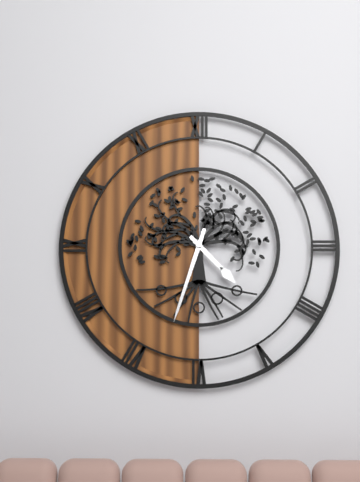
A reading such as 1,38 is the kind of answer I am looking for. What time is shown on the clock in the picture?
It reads 4,33
